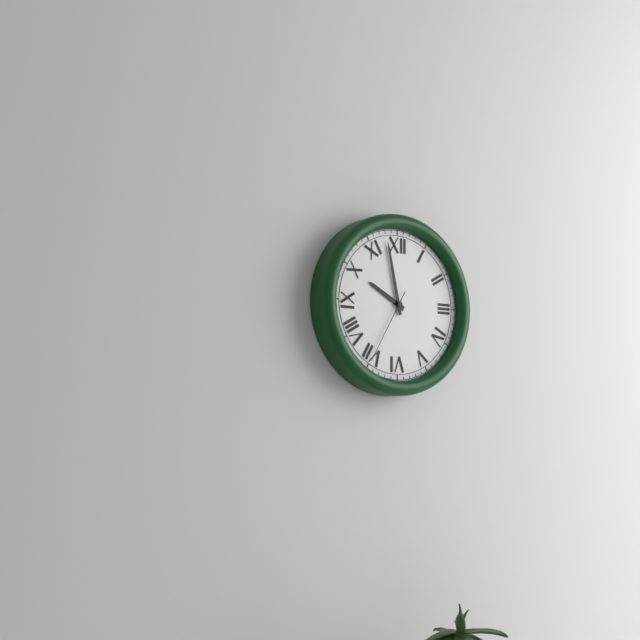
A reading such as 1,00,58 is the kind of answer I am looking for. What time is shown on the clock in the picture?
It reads 9,58,35
